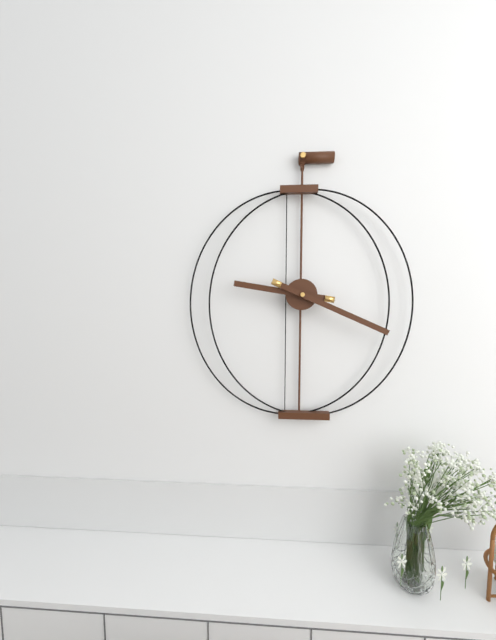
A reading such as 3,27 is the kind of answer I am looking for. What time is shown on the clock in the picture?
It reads 9,19
